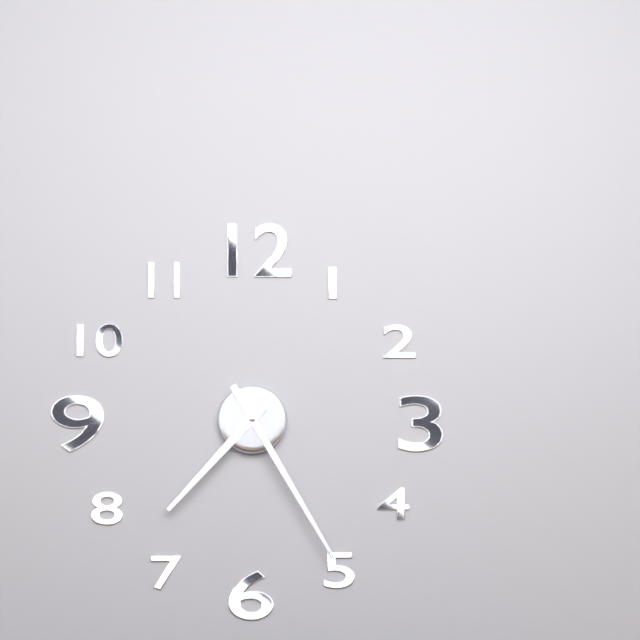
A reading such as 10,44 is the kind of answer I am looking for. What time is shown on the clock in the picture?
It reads 7,25
